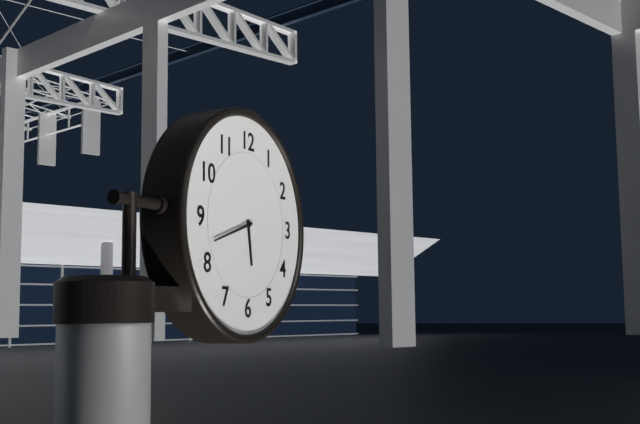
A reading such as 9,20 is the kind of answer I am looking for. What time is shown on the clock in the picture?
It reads 5,42
